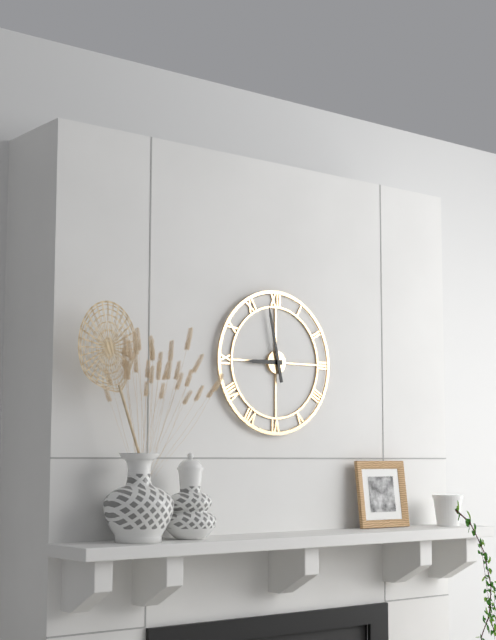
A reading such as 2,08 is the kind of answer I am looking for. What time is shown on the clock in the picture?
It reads 8,58
